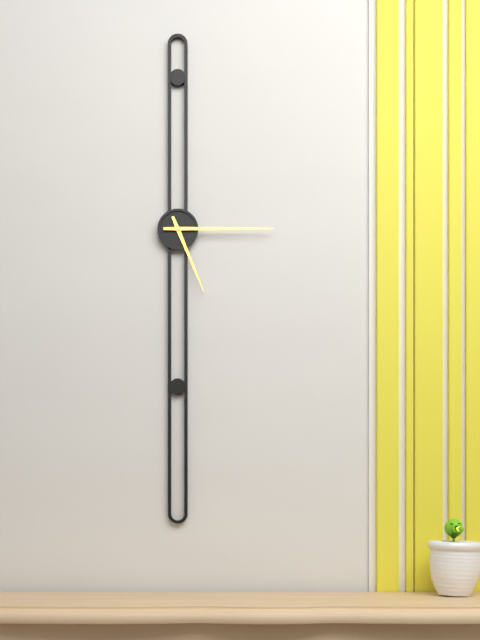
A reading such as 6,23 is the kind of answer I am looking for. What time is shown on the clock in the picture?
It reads 5,15
